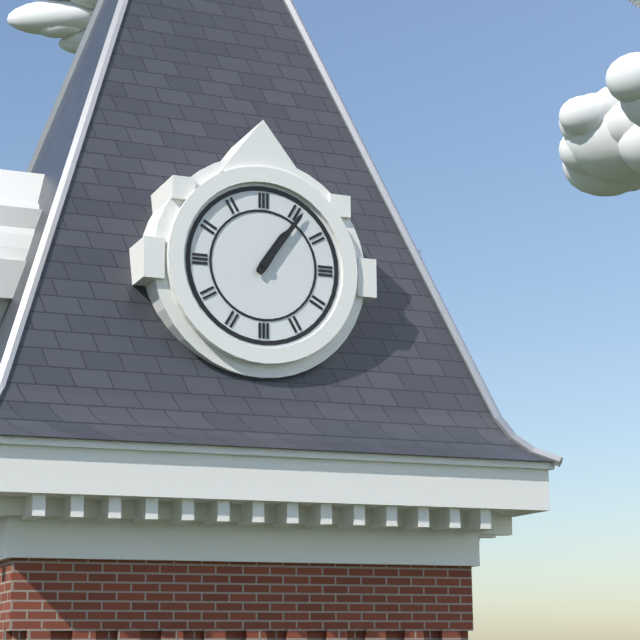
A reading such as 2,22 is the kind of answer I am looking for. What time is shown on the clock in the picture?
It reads 1,06
